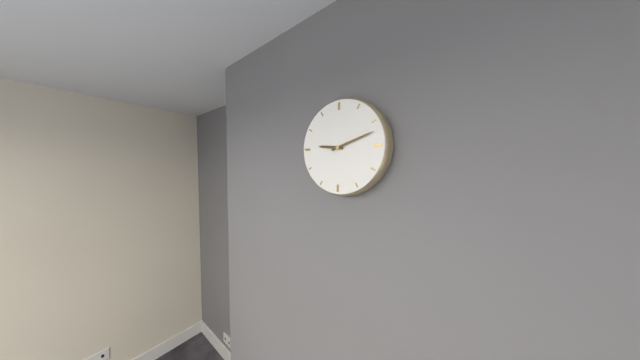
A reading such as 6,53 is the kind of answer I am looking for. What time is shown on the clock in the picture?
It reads 9,12
